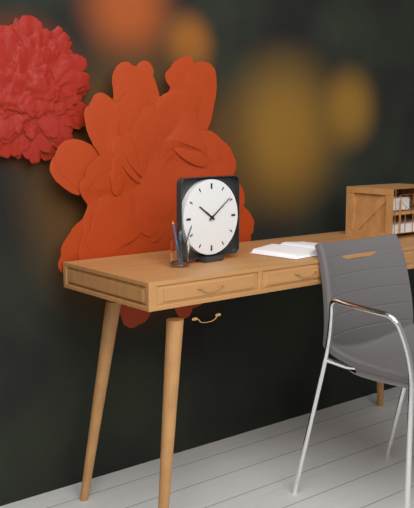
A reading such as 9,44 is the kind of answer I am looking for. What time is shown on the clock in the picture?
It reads 10,09
